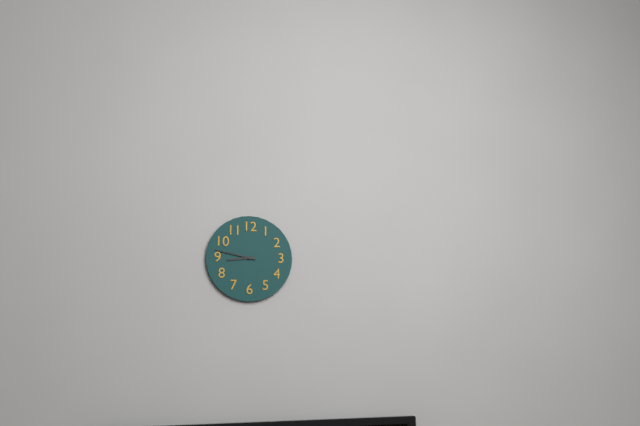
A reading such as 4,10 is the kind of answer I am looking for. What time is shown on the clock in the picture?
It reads 8,47
